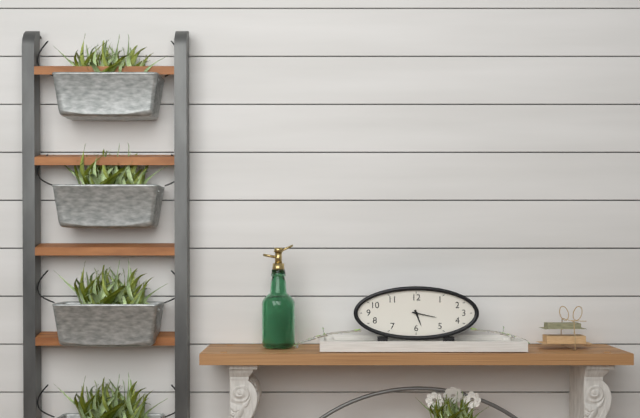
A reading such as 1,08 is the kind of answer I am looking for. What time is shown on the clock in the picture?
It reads 5,17
